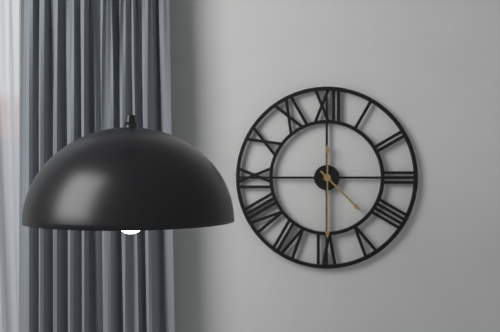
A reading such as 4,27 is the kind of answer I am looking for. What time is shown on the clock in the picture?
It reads 4,30
